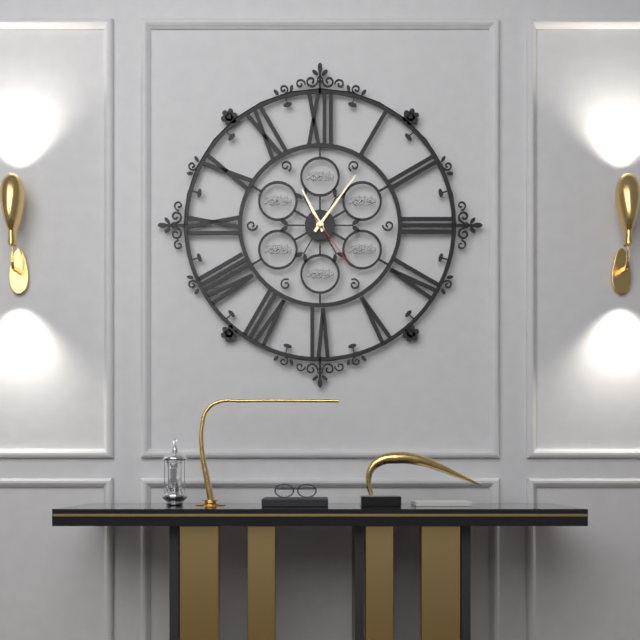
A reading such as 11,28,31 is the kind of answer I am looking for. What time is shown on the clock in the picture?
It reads 11,06,24
